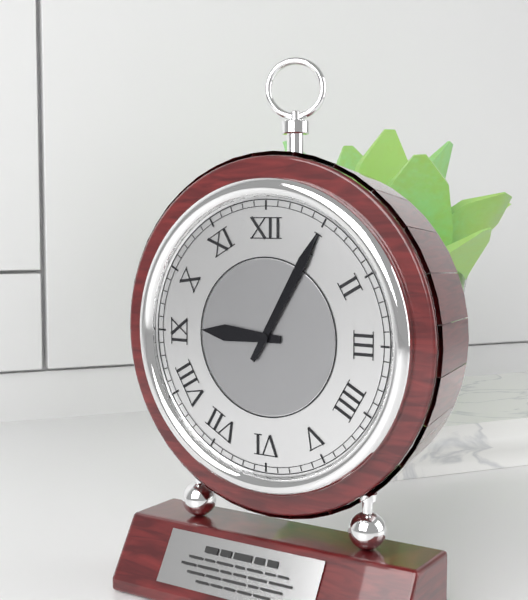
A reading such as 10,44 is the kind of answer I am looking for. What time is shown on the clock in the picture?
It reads 9,05
